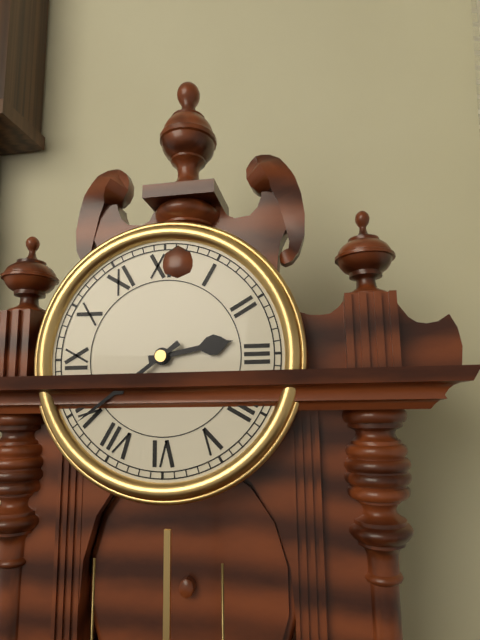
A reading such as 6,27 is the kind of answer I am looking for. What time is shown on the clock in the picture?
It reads 2,39
